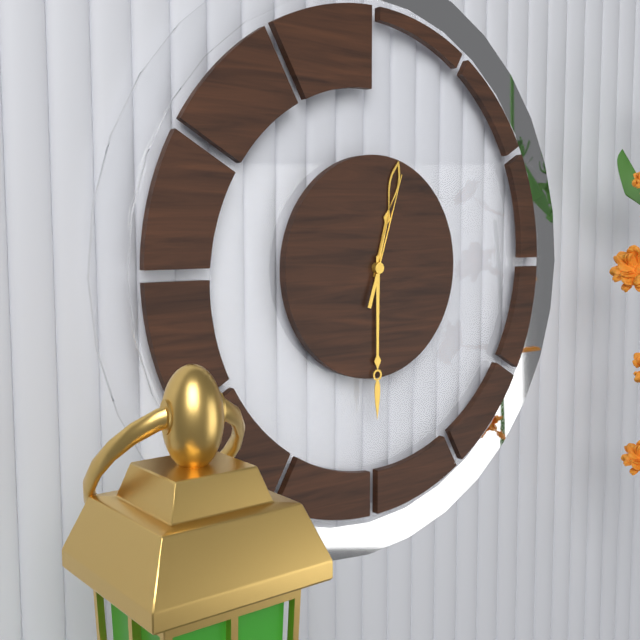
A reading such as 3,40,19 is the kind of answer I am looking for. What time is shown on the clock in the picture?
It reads 12,30,03
